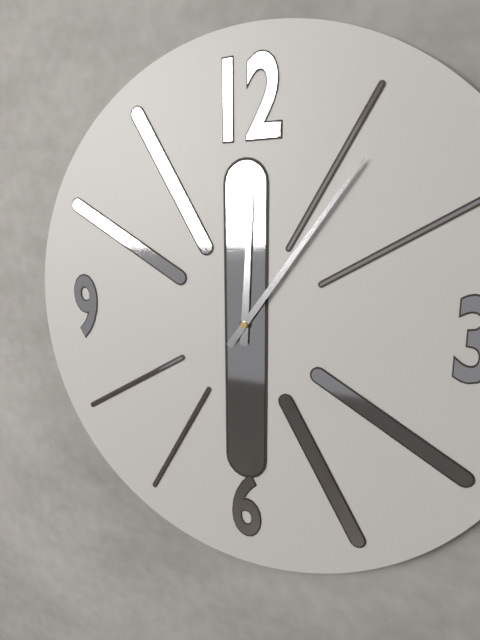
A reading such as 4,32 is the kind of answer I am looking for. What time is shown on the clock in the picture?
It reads 12,06
